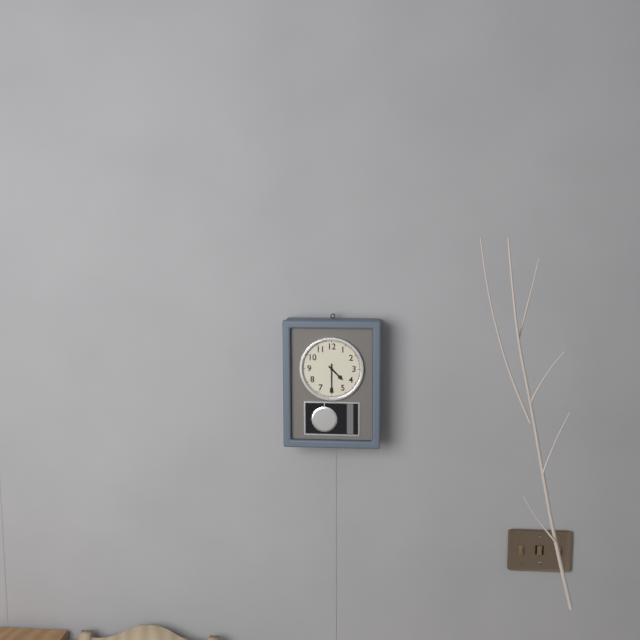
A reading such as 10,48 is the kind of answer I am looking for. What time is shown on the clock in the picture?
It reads 4,30
